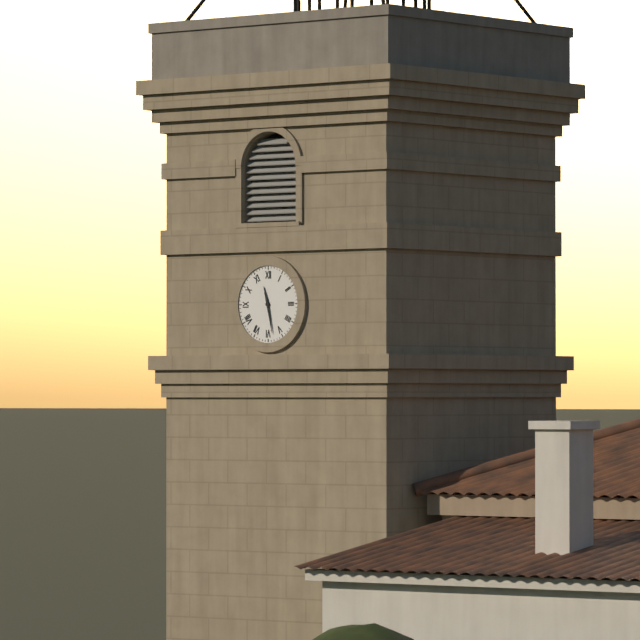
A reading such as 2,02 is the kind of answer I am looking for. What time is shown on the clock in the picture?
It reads 11,28
